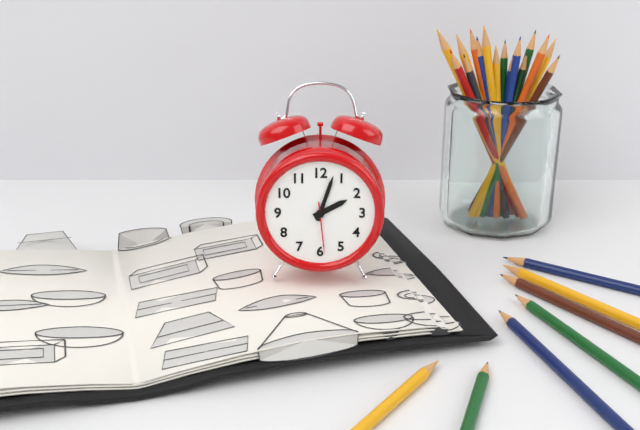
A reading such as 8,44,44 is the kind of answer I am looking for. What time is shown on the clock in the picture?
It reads 2,03,29
